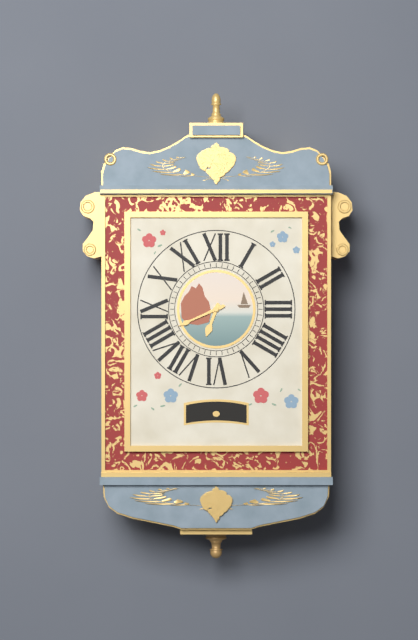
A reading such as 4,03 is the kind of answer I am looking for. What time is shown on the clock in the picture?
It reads 6,41
